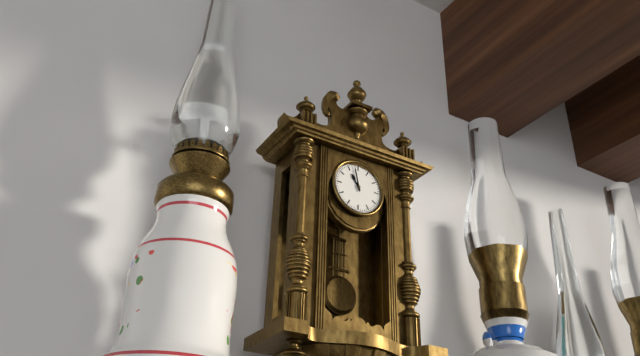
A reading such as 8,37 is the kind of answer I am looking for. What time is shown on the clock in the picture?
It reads 10,58
